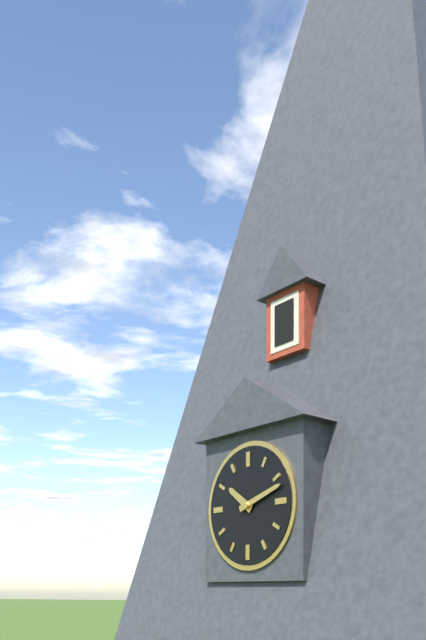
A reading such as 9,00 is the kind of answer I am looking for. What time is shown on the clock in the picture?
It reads 10,12
